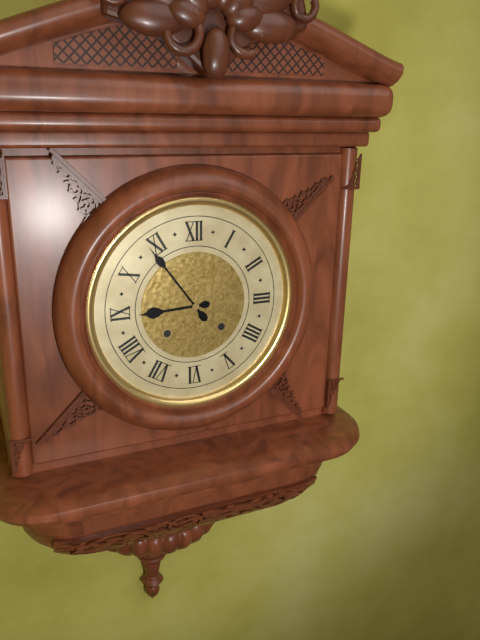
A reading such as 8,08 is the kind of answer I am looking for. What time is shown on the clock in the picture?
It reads 8,54
